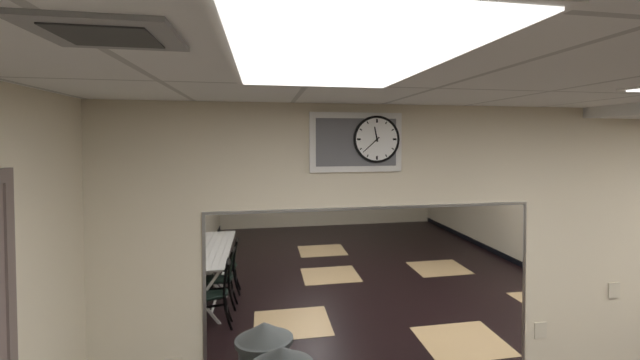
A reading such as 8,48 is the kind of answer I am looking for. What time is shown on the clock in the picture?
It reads 11,38
